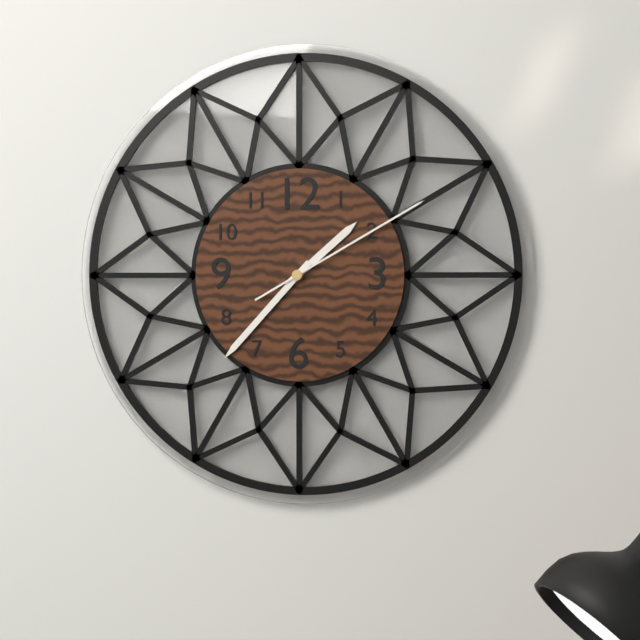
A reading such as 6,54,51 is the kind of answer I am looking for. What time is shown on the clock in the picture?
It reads 1,37,10
